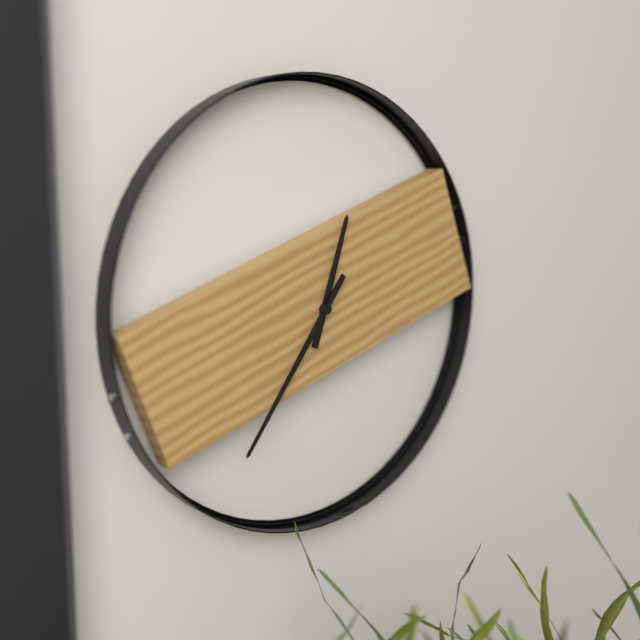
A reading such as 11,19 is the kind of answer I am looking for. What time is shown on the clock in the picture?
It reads 12,36
